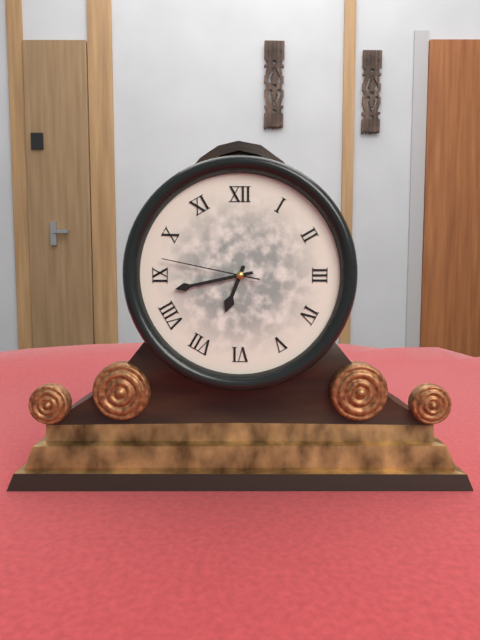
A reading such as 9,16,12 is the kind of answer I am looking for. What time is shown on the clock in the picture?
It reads 6,43,47
